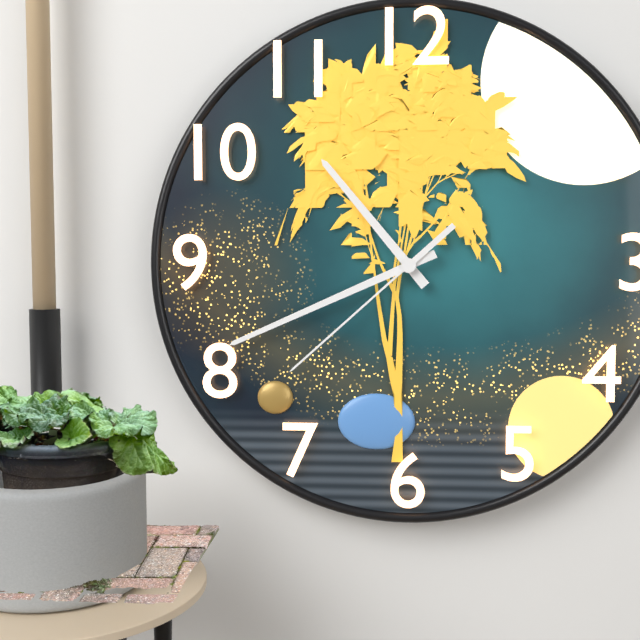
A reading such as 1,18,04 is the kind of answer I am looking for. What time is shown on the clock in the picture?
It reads 10,41,38
